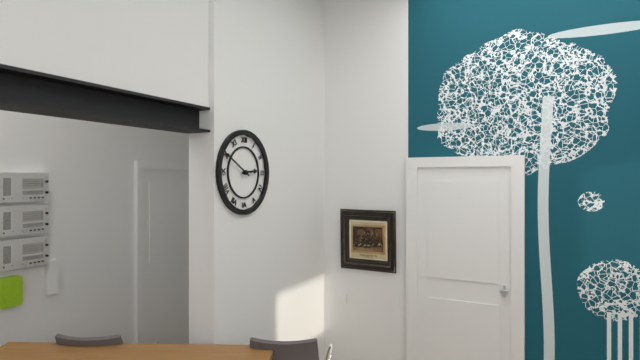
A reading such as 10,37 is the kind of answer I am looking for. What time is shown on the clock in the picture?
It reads 2,50
